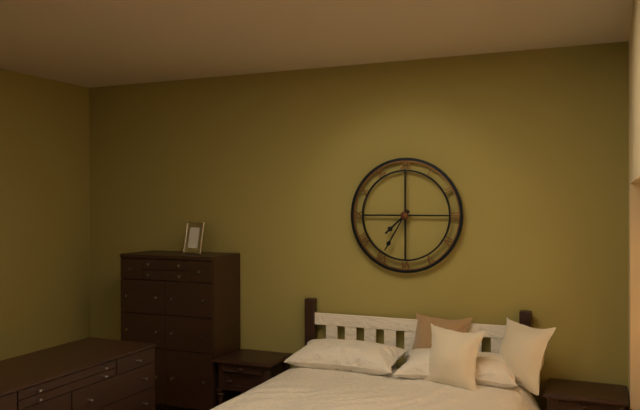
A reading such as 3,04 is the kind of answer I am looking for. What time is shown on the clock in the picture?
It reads 7,35
